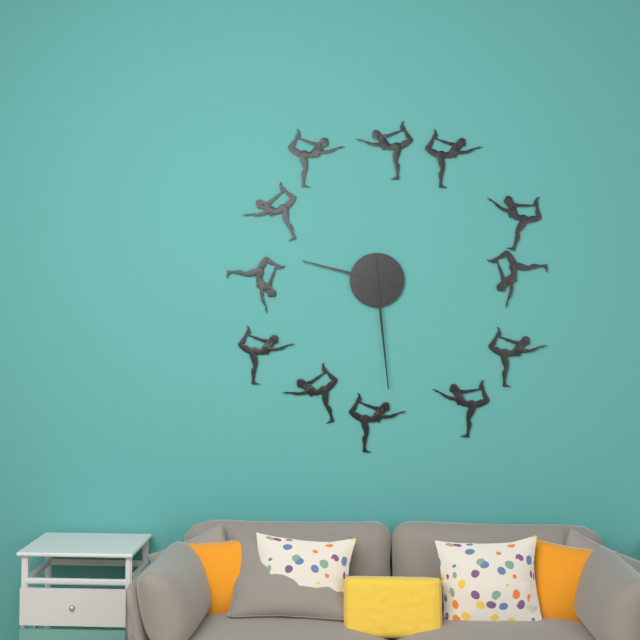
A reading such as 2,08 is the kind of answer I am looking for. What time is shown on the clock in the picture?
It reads 9,29
